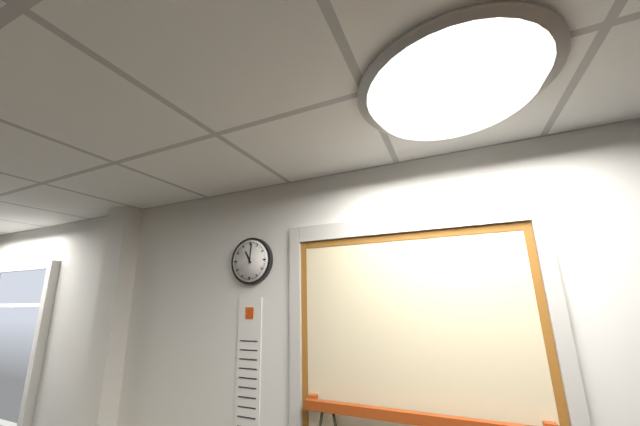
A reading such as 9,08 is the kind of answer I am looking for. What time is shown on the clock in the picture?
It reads 11,01
